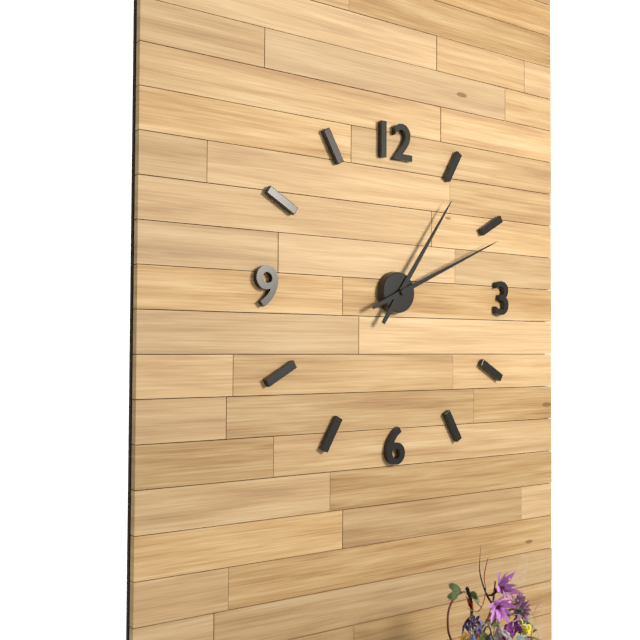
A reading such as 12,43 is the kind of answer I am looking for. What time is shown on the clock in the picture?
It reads 1,11
